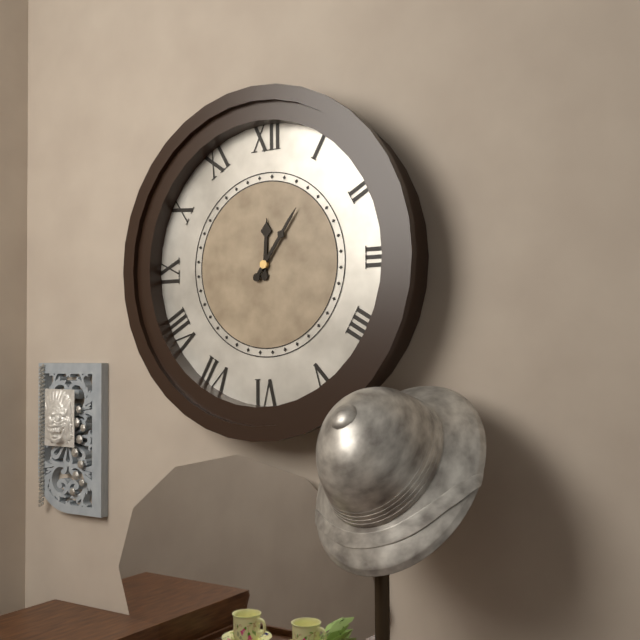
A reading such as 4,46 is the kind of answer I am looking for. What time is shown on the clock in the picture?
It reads 12,06
